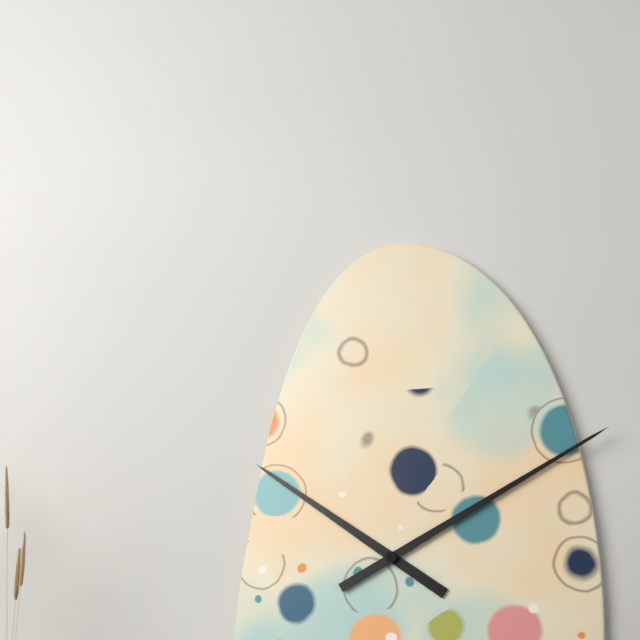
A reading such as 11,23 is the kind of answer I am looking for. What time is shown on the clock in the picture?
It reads 10,10
